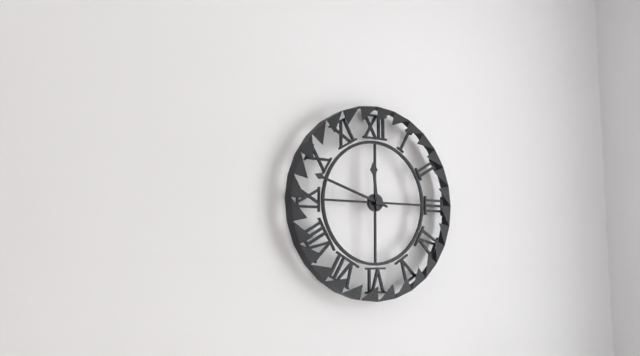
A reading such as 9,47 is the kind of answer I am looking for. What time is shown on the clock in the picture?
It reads 11,48
